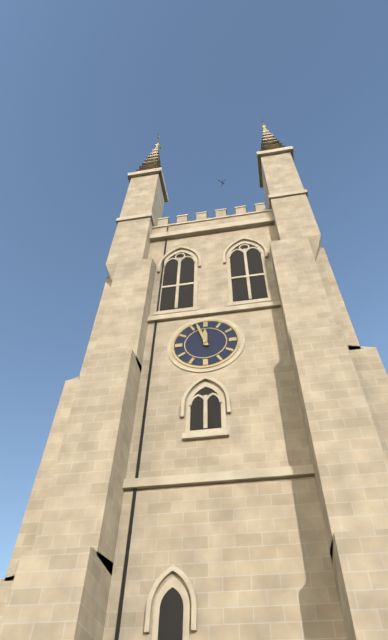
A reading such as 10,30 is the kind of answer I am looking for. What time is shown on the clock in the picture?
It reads 11,57
